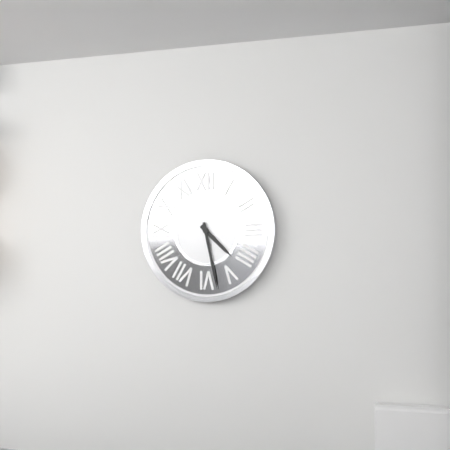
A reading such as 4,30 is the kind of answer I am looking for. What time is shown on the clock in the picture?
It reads 4,28
